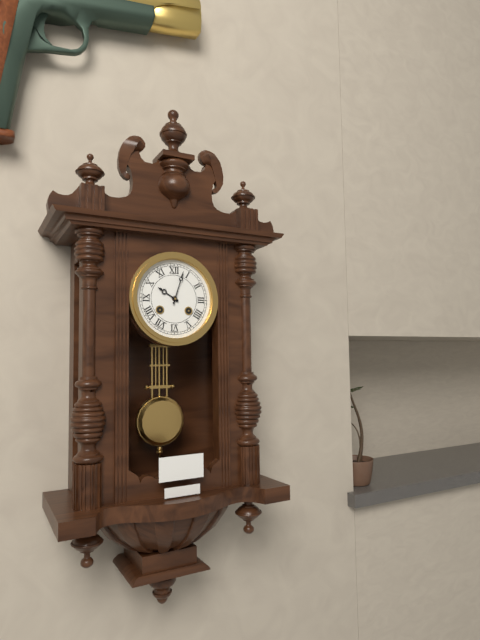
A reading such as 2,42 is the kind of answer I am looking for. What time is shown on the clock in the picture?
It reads 10,03
